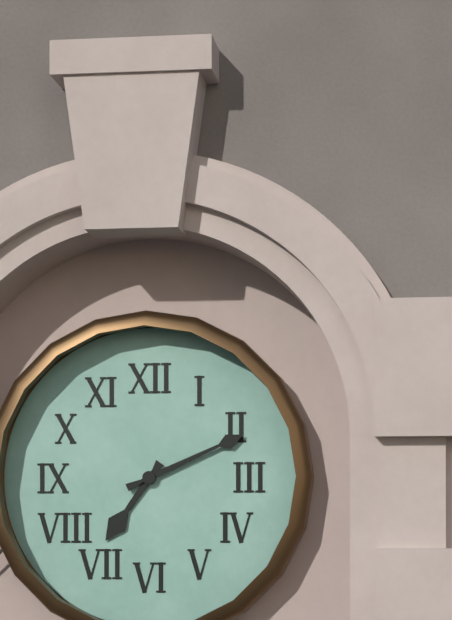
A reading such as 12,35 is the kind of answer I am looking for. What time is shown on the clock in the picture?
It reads 7,11
